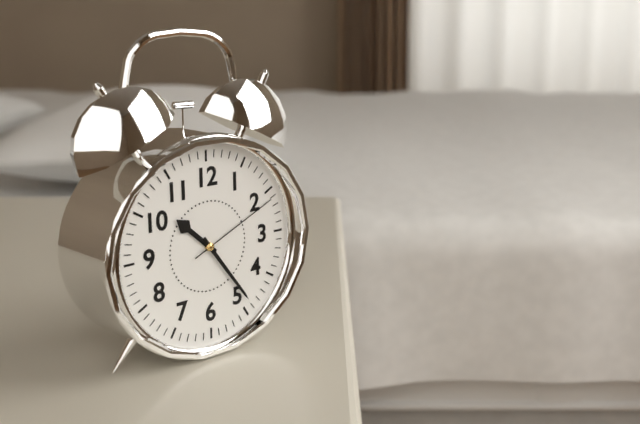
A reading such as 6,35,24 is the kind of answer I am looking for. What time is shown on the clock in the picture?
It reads 10,24,11
